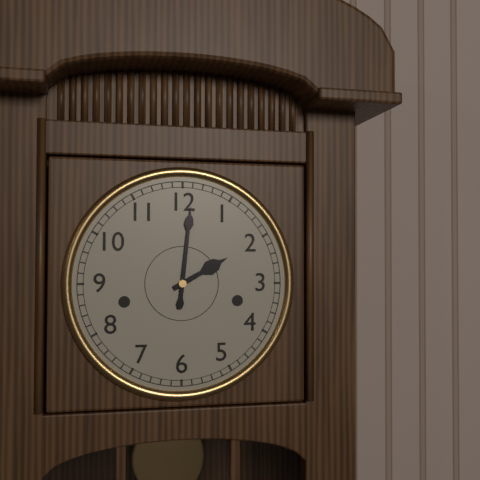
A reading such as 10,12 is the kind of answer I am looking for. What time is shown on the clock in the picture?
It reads 2,01
